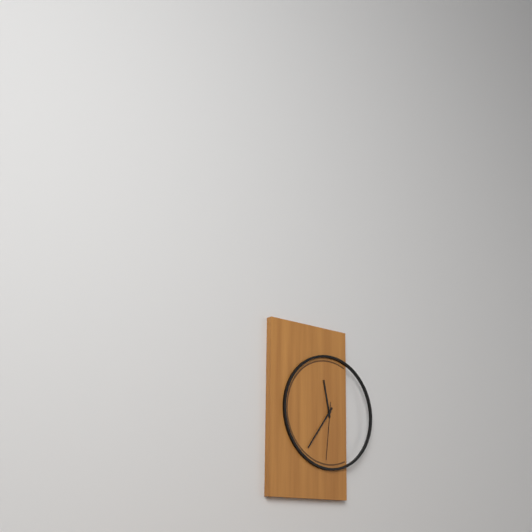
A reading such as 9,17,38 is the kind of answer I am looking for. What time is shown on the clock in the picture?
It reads 11,36,31
